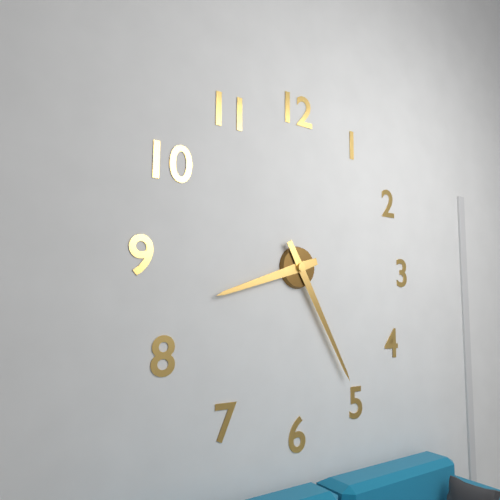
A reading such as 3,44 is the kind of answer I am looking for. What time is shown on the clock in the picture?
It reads 8,25
